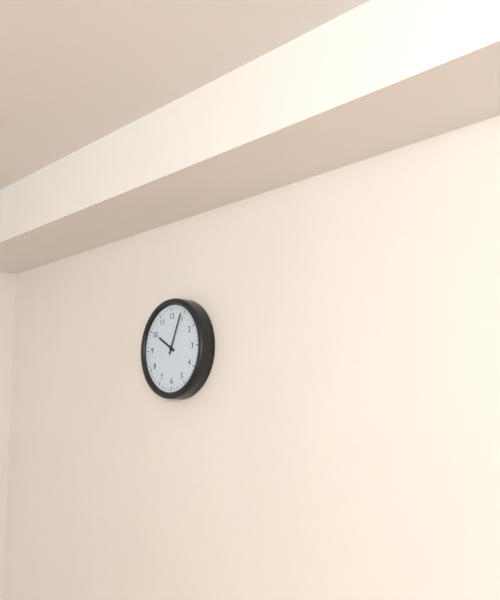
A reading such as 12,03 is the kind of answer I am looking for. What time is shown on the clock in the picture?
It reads 10,04
